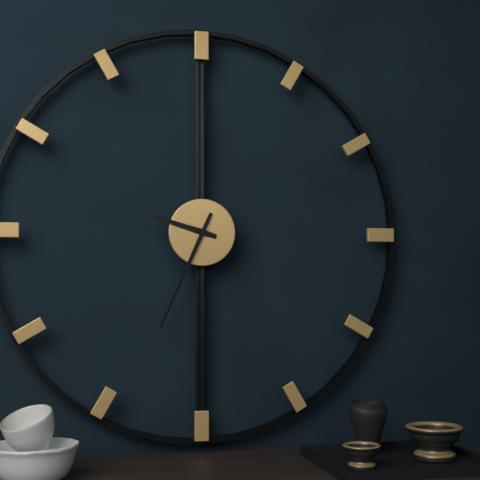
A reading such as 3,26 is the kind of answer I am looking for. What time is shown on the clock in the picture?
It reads 9,34
